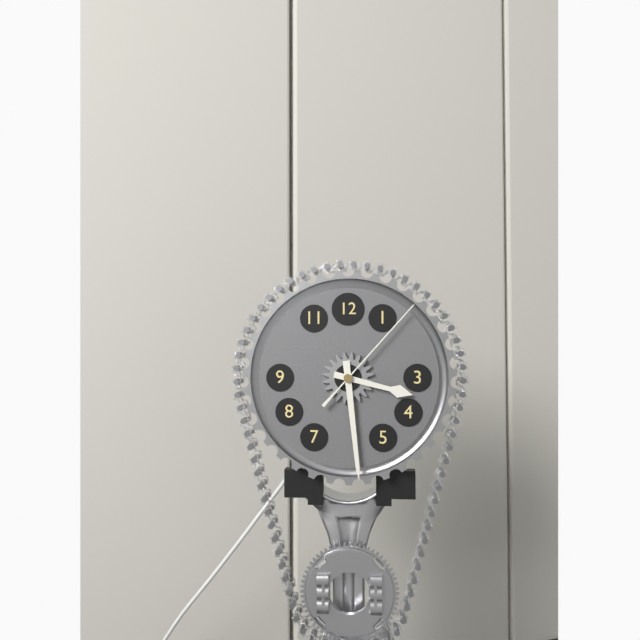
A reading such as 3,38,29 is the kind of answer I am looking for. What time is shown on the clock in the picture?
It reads 3,29,07
